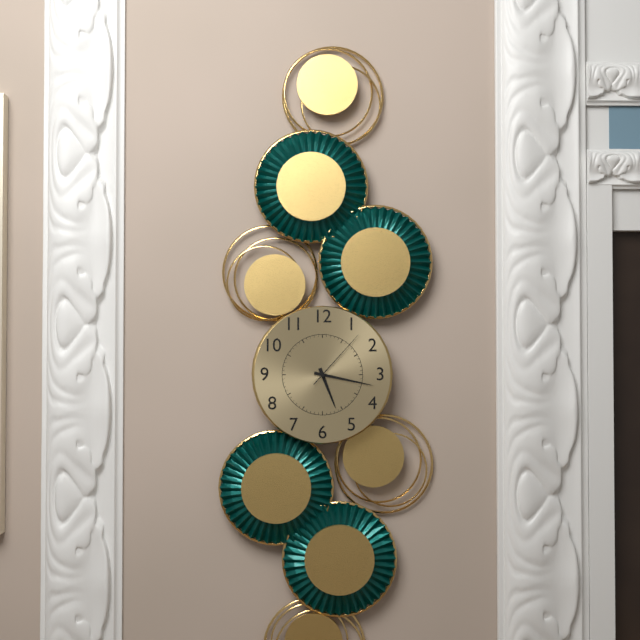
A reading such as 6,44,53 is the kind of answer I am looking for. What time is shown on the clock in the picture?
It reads 5,17,07
